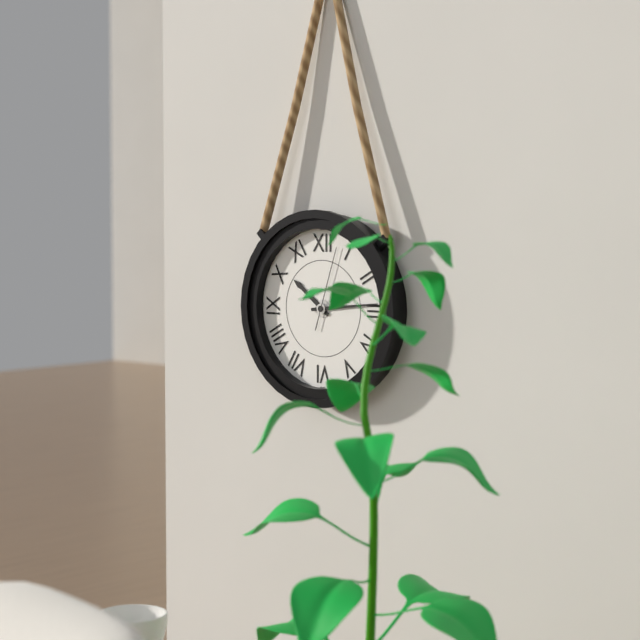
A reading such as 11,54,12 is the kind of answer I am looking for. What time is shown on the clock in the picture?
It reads 10,14,03
